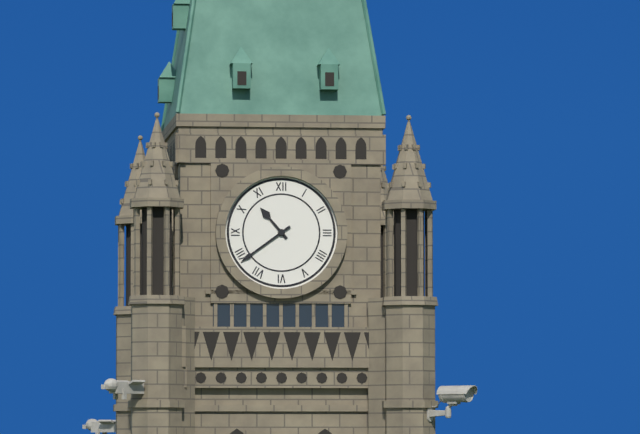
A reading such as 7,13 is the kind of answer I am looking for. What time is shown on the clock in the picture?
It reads 10,39
